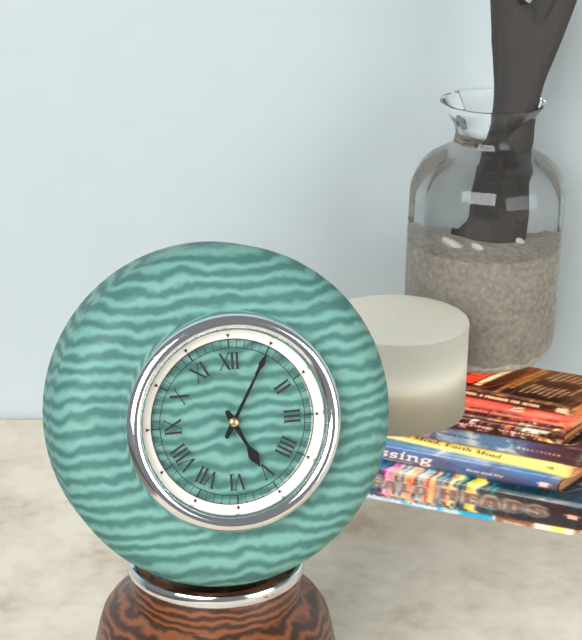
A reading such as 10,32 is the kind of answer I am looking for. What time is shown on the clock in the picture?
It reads 5,05
